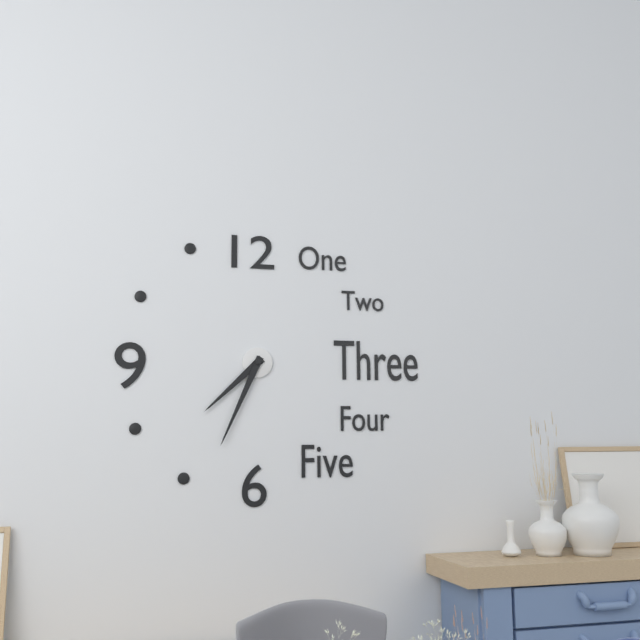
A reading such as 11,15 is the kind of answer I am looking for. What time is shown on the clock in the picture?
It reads 7,34
